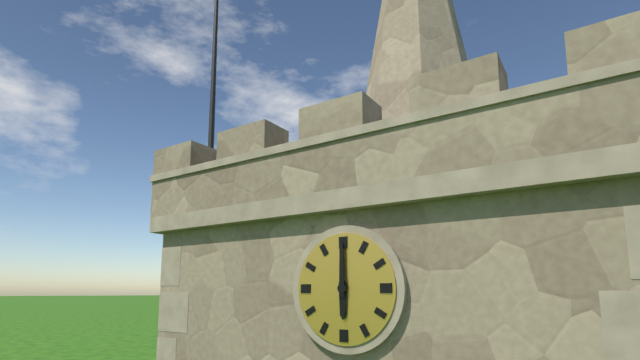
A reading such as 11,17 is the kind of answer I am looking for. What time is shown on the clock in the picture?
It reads 6,00
